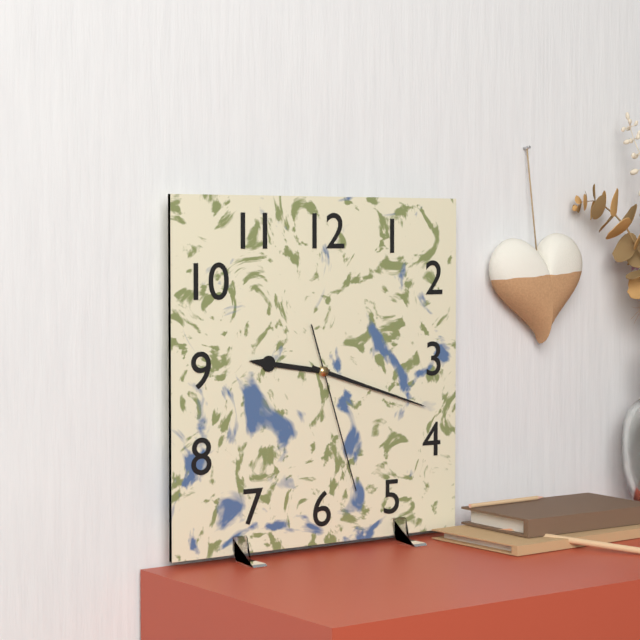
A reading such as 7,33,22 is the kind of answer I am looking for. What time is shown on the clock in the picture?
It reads 9,18,27
